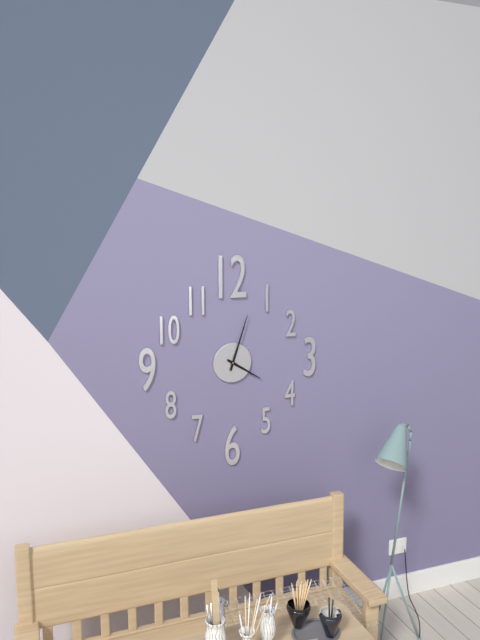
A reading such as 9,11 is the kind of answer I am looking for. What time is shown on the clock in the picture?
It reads 4,03
